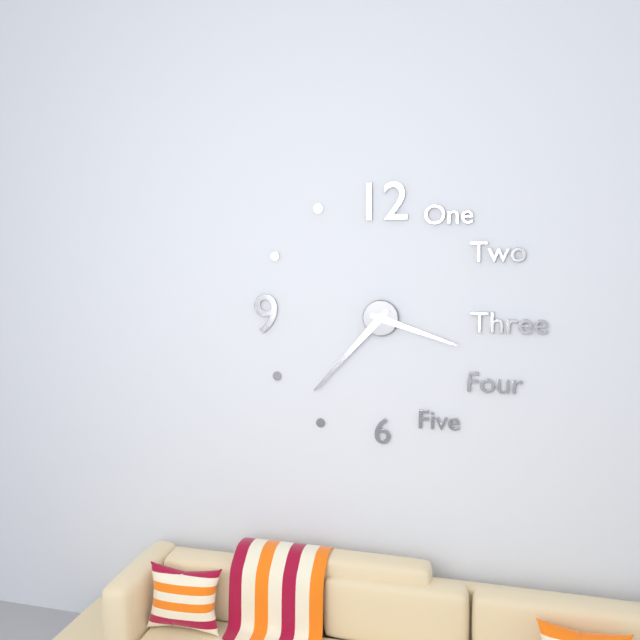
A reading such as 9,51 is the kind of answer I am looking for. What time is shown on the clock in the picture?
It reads 3,37
